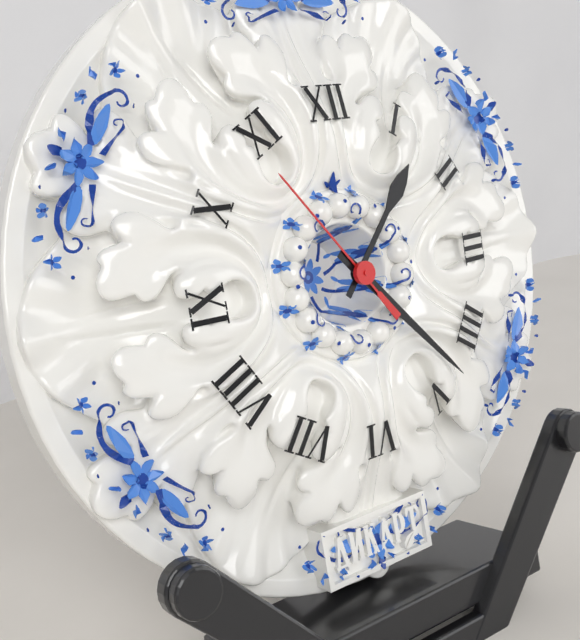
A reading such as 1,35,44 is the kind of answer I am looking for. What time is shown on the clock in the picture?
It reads 1,23,54
